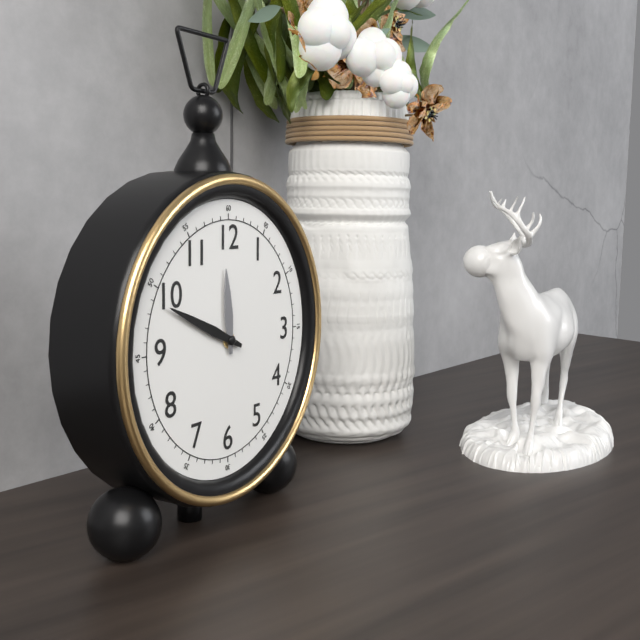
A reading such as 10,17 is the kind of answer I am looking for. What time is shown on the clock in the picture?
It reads 11,49
